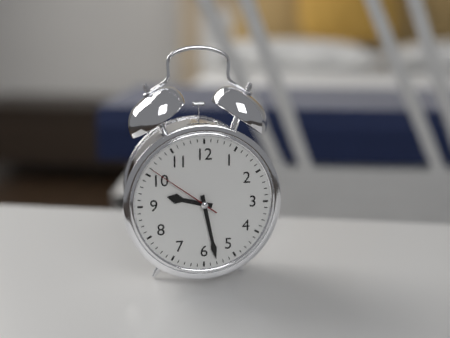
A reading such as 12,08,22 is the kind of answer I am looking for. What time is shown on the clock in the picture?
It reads 9,28,51
